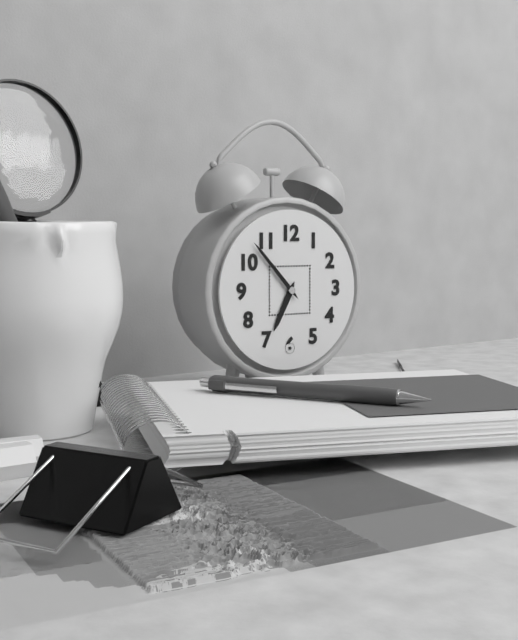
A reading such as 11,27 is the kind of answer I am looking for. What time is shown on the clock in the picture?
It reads 6,53
